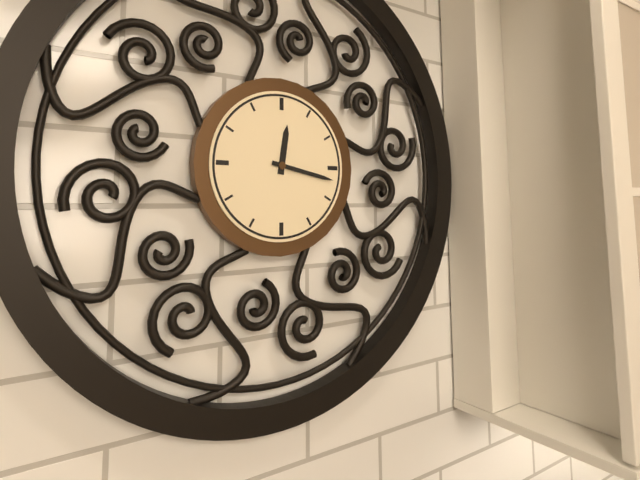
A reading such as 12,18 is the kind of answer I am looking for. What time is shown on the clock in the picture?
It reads 12,17
